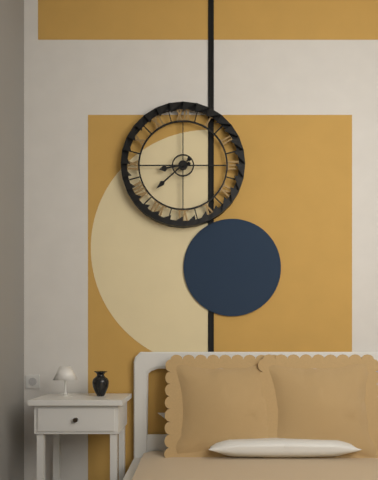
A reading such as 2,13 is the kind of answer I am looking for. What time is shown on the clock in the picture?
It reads 8,38
